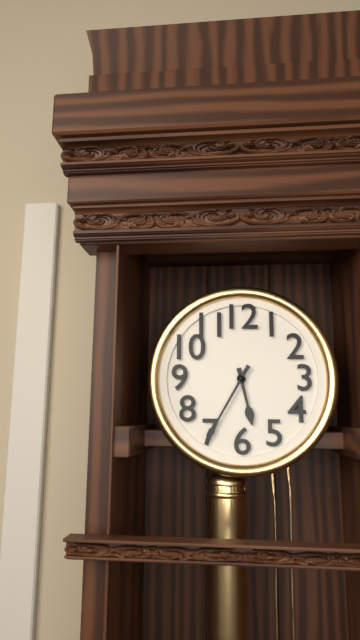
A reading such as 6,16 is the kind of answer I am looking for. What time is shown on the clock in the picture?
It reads 5,35
